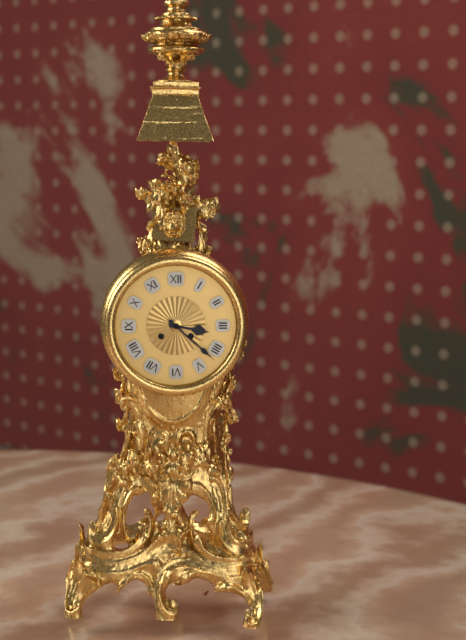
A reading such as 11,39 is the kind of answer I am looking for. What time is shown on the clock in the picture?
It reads 3,22
